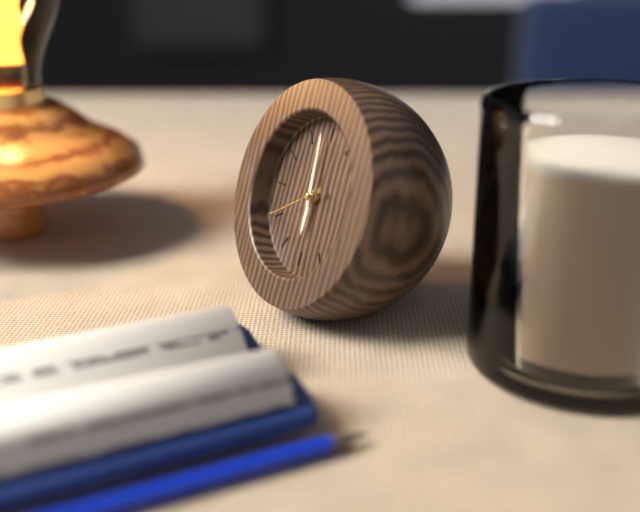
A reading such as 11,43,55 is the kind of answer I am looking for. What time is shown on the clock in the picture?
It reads 5,59,40
